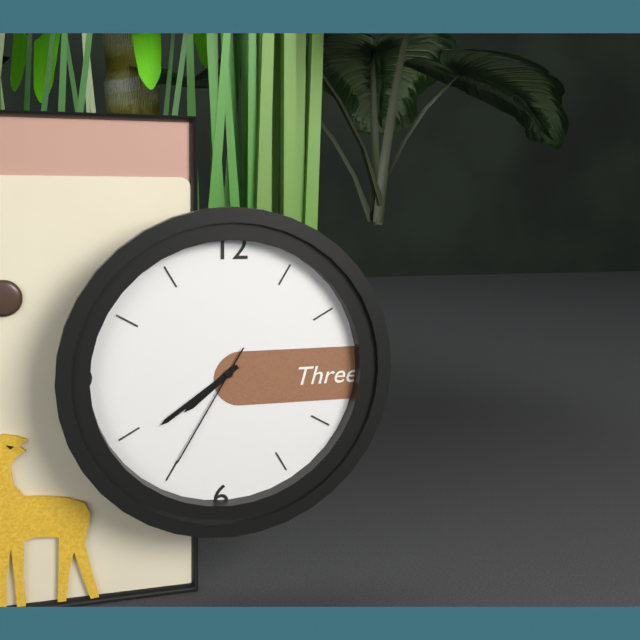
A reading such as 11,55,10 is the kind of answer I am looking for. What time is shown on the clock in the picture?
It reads 7,39,35
